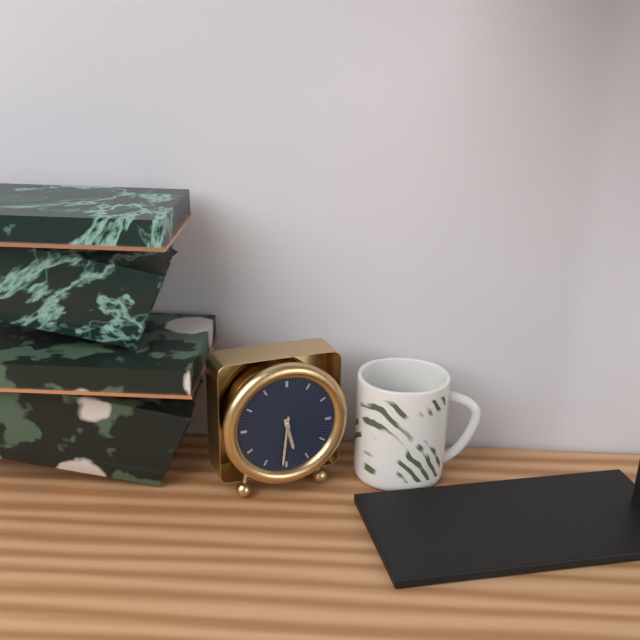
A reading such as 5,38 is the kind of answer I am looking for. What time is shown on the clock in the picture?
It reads 5,31
